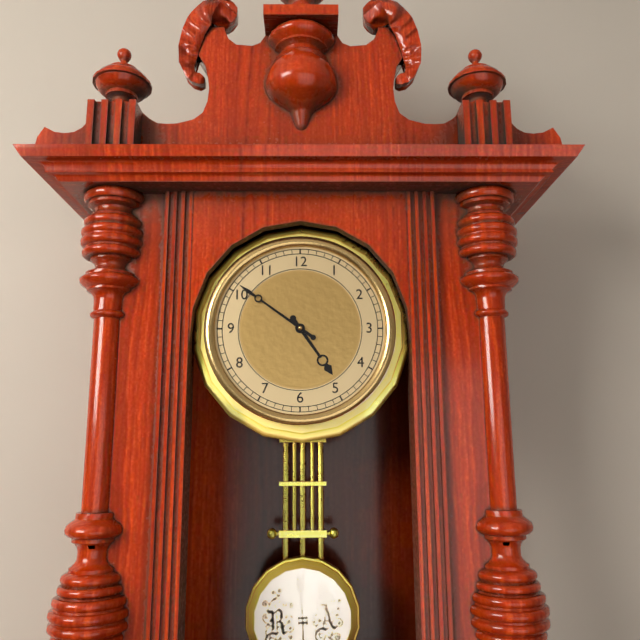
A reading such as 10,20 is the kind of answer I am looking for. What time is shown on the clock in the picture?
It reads 4,51
